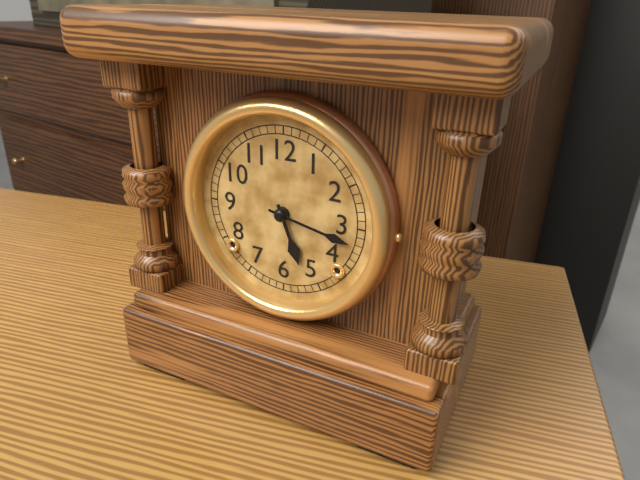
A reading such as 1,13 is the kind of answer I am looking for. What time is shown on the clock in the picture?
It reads 5,17
